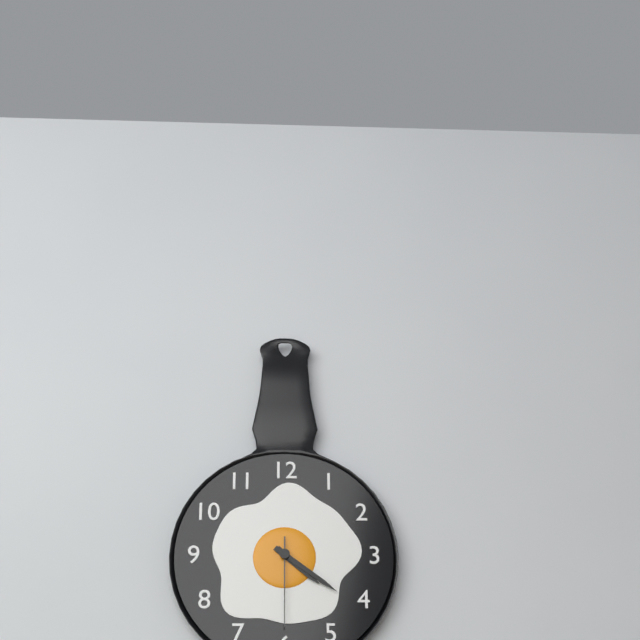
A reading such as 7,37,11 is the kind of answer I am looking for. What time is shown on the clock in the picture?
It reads 4,21,30
